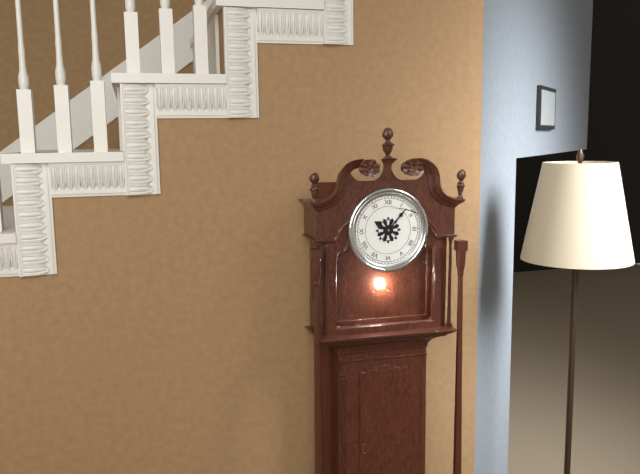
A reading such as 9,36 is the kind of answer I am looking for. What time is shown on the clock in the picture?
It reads 10,07
